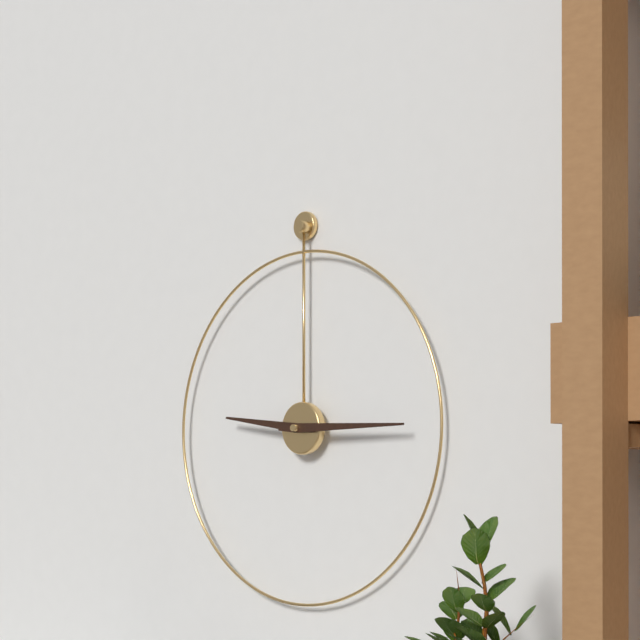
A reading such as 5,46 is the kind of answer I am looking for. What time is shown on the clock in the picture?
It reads 9,15
